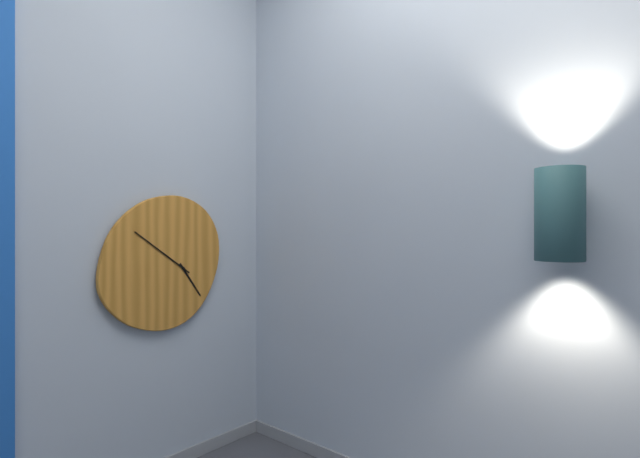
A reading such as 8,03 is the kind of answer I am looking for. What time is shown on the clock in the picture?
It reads 4,51
